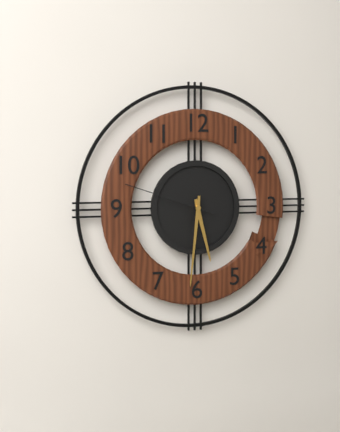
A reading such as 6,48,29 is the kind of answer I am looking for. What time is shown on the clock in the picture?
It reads 5,31,48
